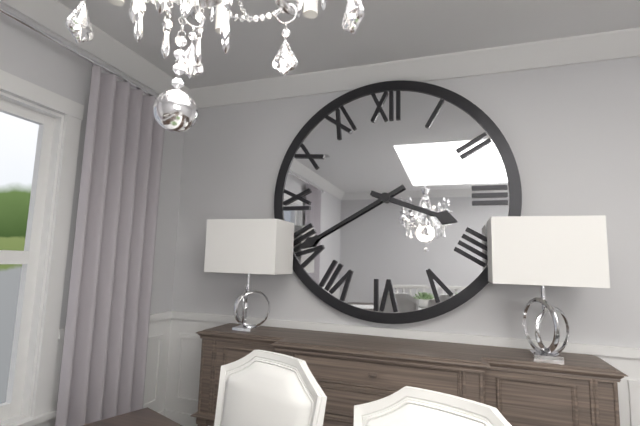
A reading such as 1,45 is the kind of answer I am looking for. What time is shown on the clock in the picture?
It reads 3,40
